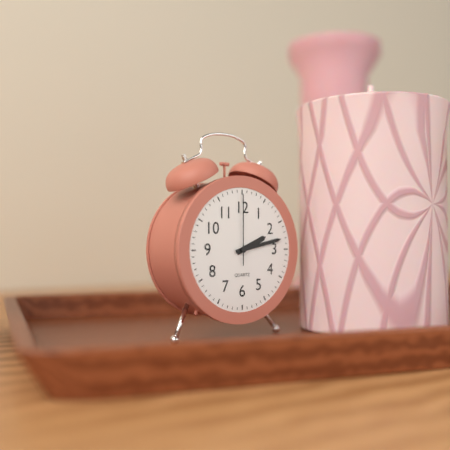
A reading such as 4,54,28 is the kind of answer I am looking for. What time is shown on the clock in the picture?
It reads 2,13,00
